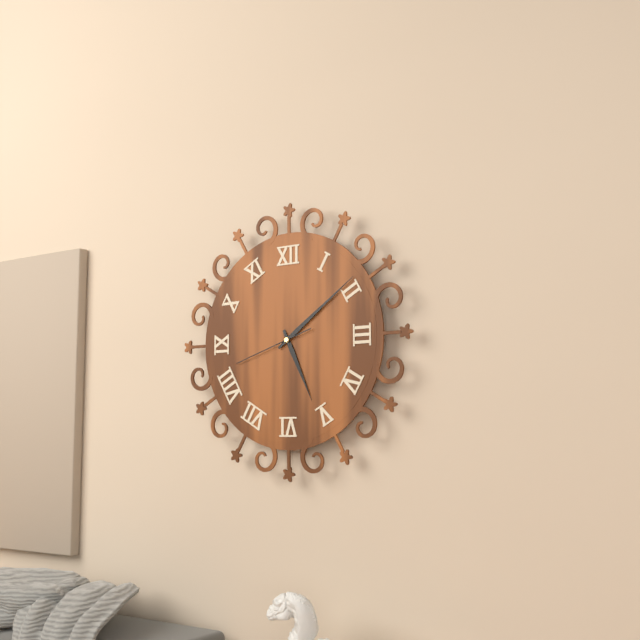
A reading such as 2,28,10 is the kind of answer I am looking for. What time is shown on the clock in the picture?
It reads 5,09,42
